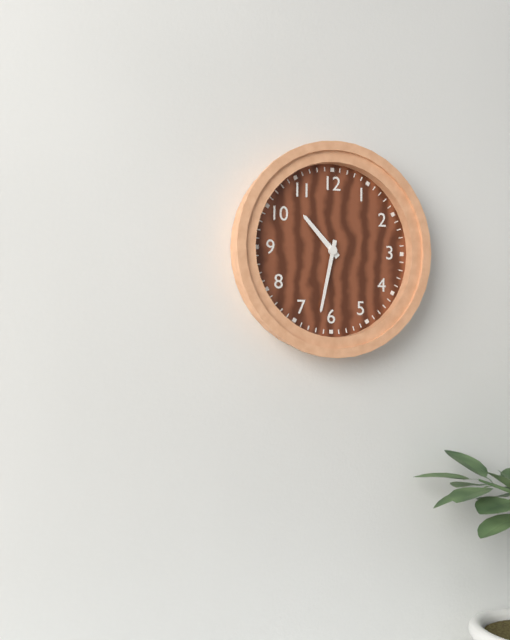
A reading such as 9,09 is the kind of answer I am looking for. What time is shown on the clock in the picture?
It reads 10,32
